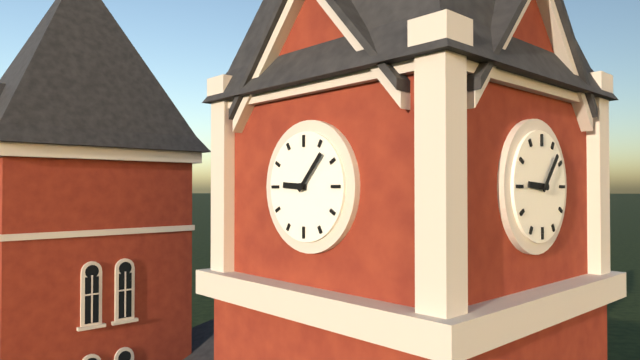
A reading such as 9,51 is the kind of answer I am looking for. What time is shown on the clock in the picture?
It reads 9,07
